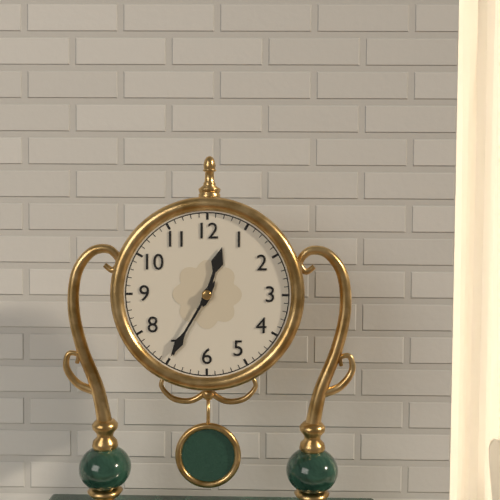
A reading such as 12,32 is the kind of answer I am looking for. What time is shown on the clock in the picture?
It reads 12,35
